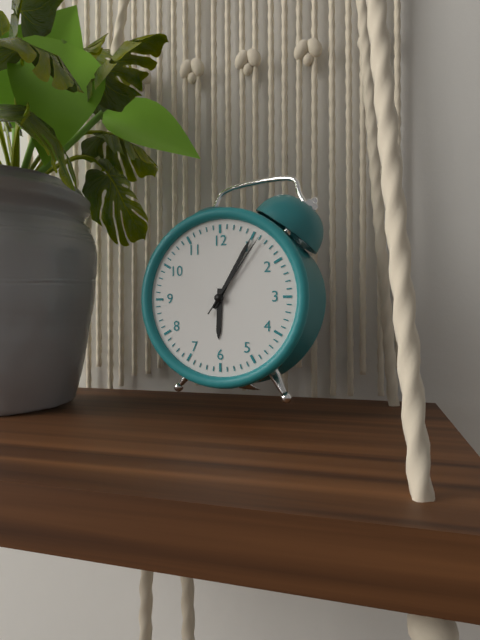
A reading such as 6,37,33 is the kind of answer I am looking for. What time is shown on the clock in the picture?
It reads 6,05,06
